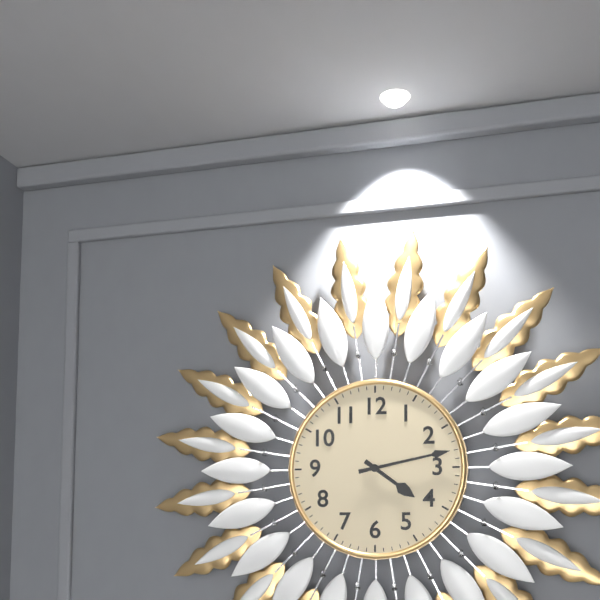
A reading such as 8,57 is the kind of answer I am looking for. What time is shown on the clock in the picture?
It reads 4,13
